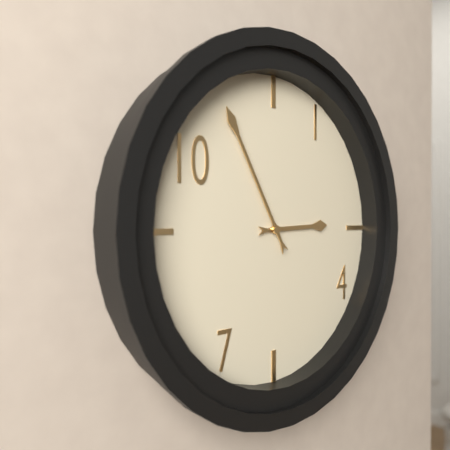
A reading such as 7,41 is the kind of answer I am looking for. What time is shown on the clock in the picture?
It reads 2,55
